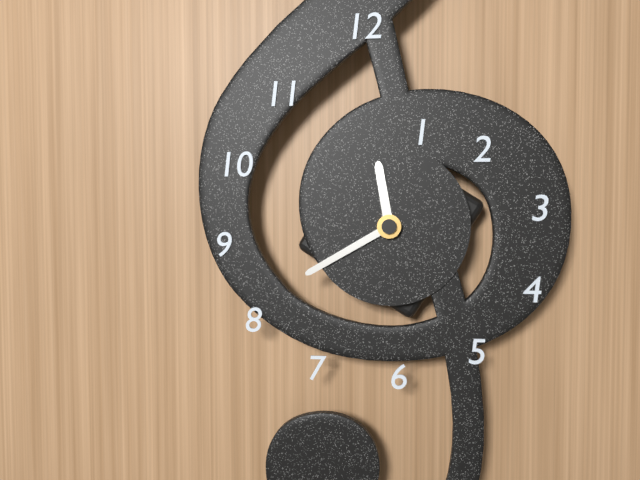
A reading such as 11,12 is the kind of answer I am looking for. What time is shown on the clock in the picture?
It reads 11,40
